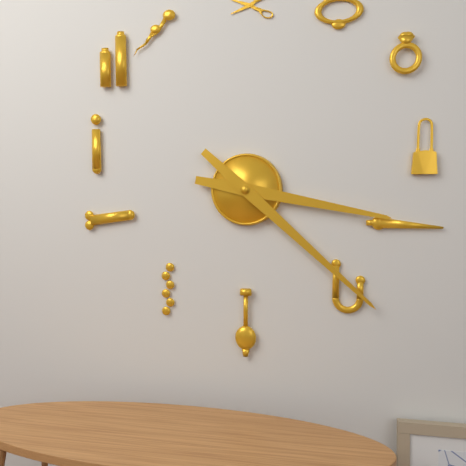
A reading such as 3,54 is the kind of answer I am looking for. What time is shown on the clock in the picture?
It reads 3,22
